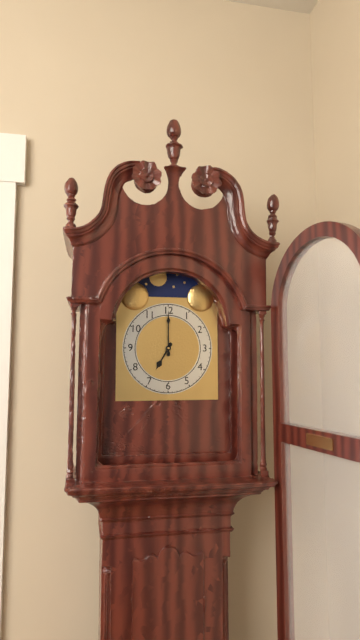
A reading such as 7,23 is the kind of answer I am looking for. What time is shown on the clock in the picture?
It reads 7,00
